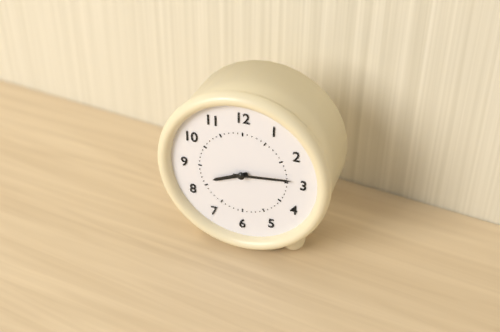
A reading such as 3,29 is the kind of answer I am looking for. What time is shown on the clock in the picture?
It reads 8,14
